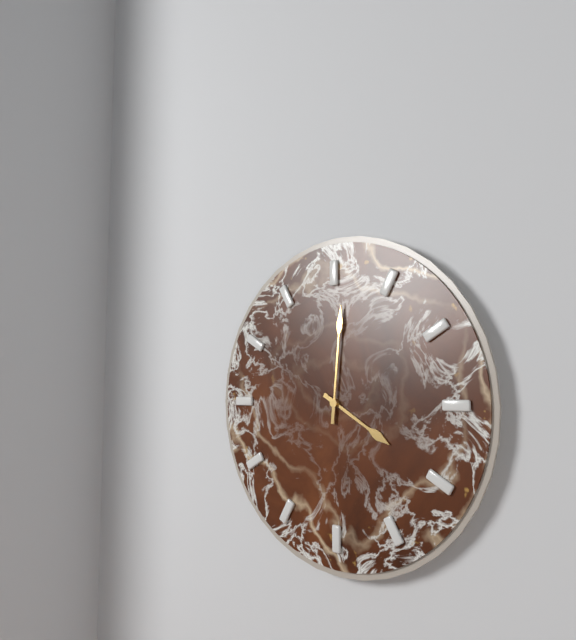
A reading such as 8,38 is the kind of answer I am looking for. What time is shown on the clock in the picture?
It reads 4,01
